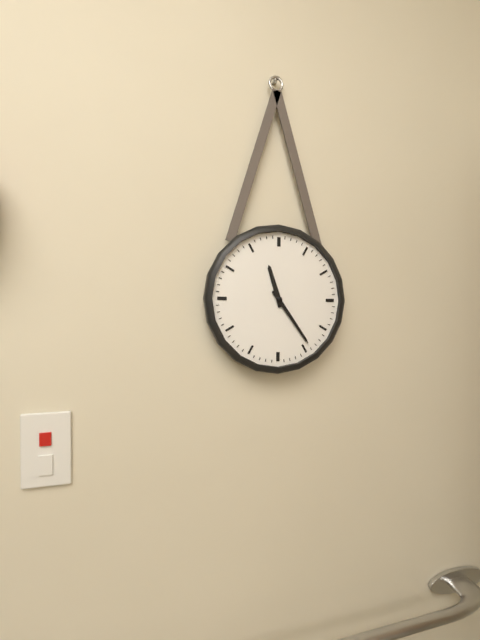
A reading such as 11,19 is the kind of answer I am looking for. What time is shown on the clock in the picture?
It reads 11,24
